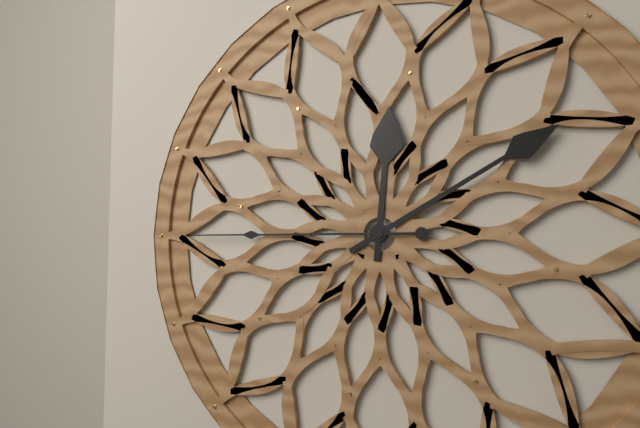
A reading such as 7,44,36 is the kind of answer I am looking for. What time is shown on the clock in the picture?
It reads 12,10,45
